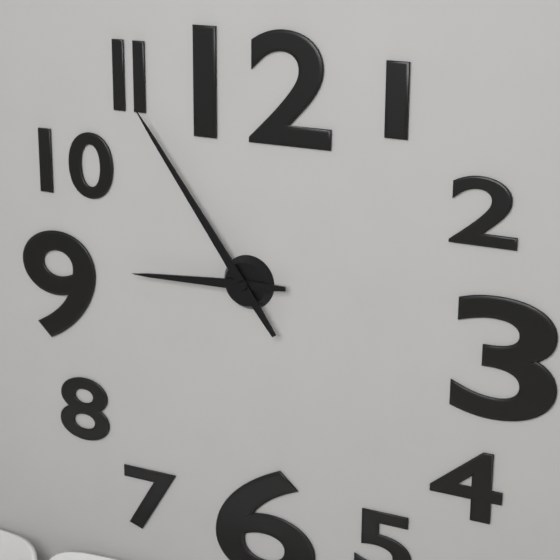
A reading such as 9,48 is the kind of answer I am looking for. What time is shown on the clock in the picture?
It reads 8,54
